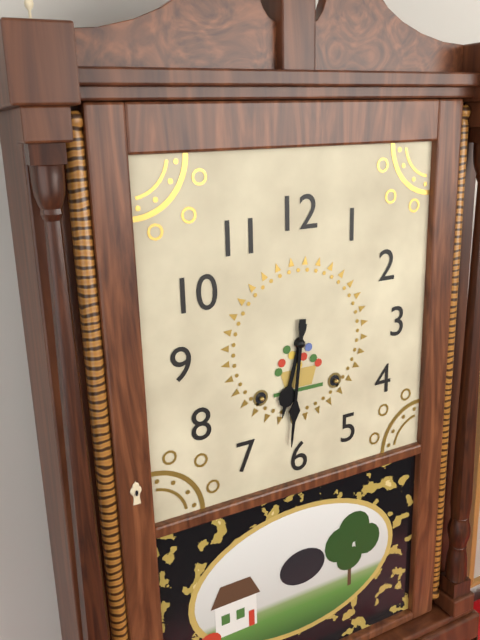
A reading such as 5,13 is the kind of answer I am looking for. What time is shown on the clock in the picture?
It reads 6,31
